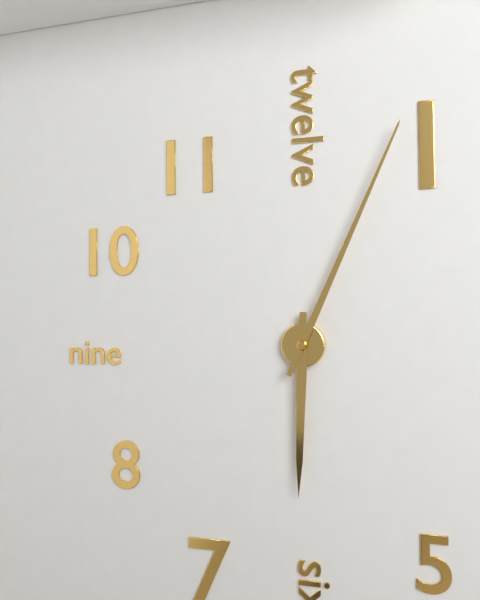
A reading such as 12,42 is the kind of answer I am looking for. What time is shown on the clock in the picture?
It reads 6,04
